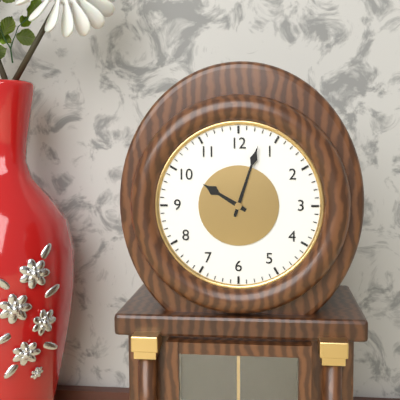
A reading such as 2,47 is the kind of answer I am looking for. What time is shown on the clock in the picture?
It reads 10,03
